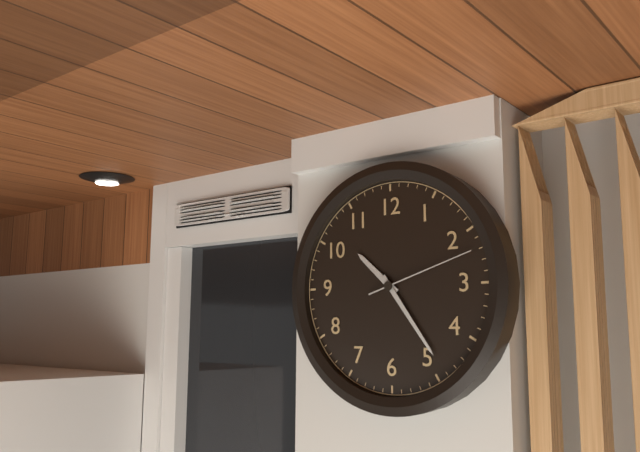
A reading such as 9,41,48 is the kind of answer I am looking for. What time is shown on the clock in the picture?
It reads 10,24,12
